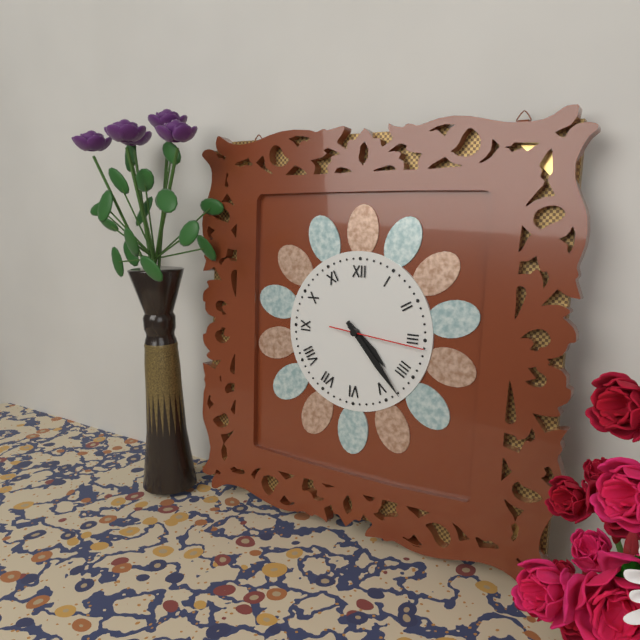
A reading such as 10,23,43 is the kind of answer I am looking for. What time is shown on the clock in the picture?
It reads 4,23,16
